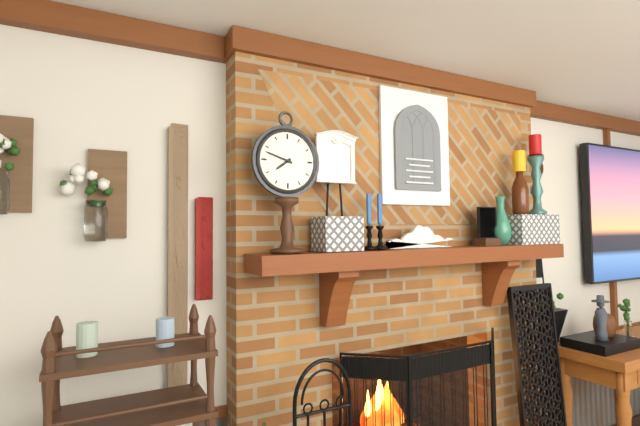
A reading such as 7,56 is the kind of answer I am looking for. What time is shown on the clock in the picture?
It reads 7,48
